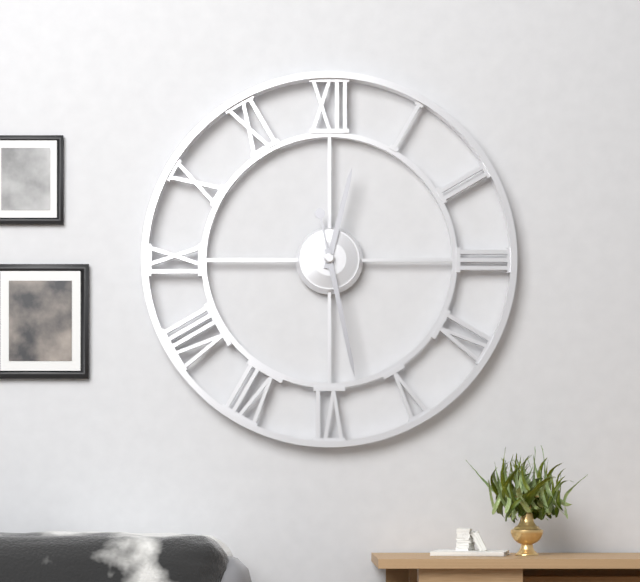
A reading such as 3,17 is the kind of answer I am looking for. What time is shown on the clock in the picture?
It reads 12,28
